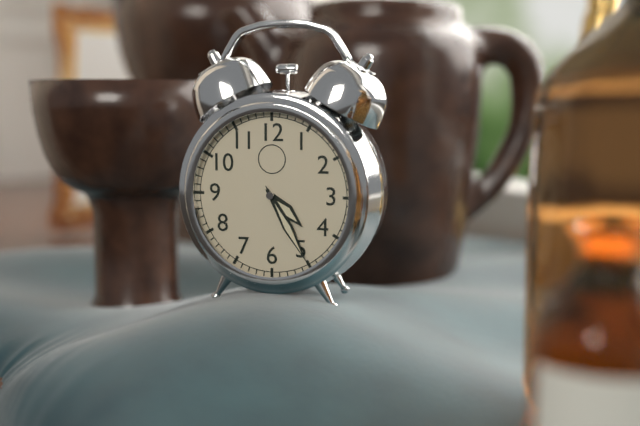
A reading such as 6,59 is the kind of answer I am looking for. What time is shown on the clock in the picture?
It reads 4,25
